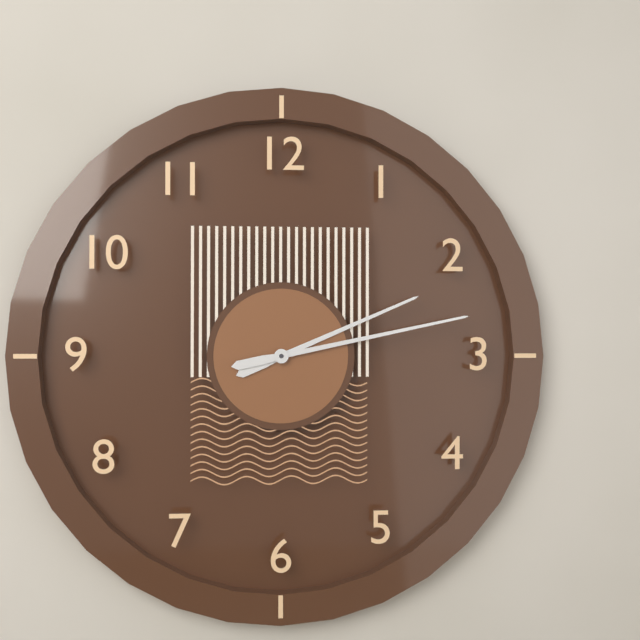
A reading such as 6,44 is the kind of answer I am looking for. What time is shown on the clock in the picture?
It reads 2,13
